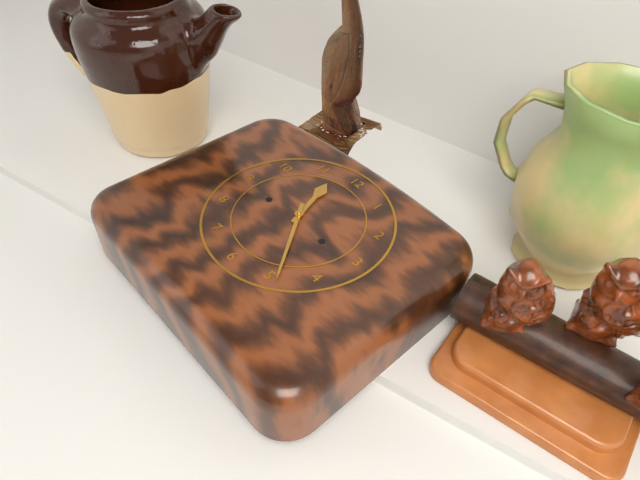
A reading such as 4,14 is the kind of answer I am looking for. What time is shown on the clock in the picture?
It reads 11,24
